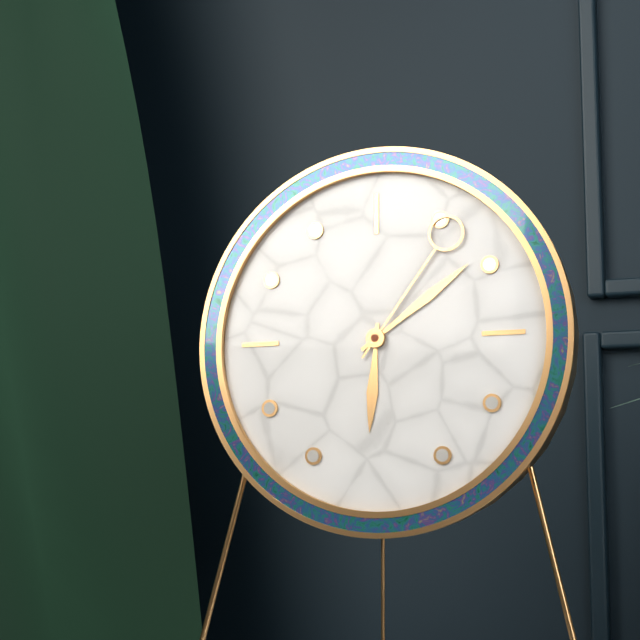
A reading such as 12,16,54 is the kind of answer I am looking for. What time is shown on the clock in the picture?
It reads 6,09,06
